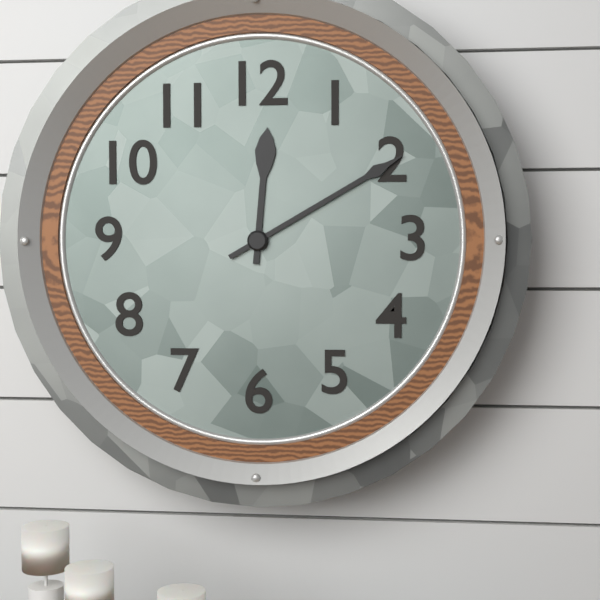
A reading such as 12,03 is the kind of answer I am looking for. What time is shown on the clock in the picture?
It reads 12,10
